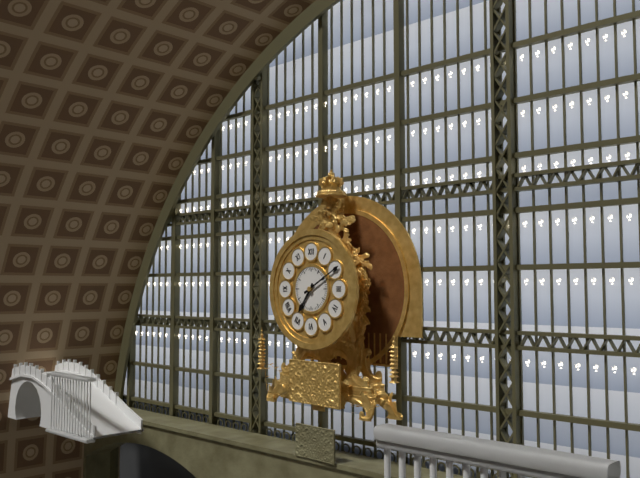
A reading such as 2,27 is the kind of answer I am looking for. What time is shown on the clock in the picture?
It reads 7,10
